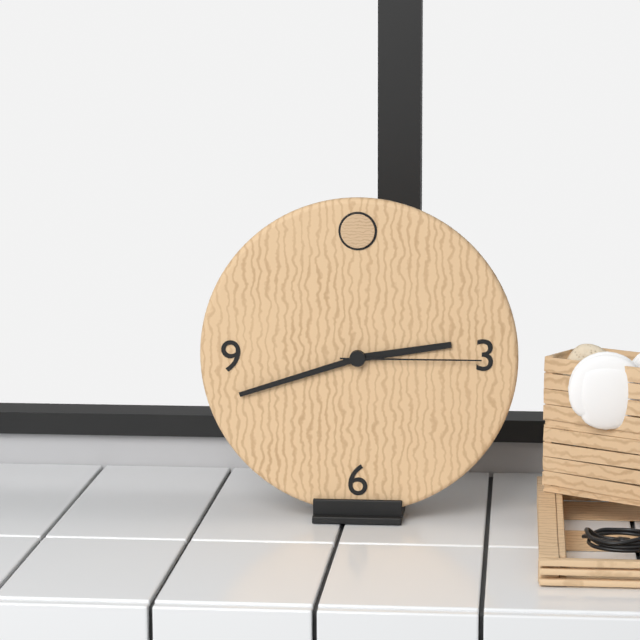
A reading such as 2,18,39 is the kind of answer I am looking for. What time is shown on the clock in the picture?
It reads 2,42,15
